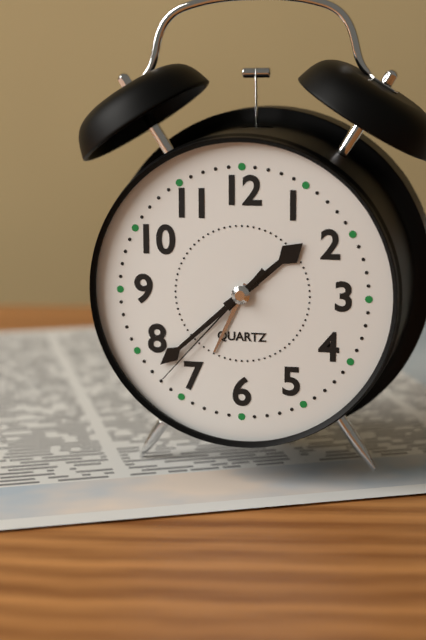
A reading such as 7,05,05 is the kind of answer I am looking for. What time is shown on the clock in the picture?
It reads 1,38,37
